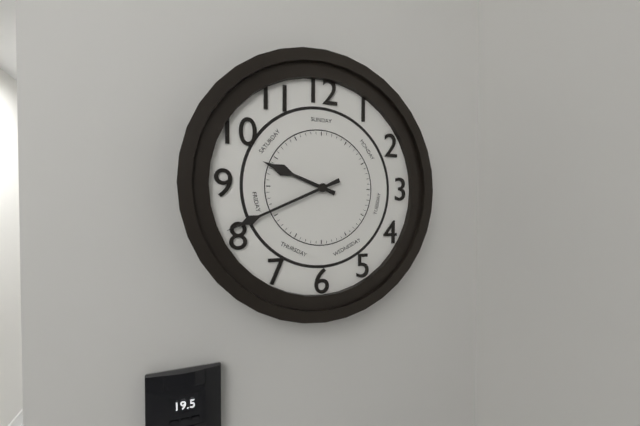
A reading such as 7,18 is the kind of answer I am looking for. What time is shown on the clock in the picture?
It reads 9,41
